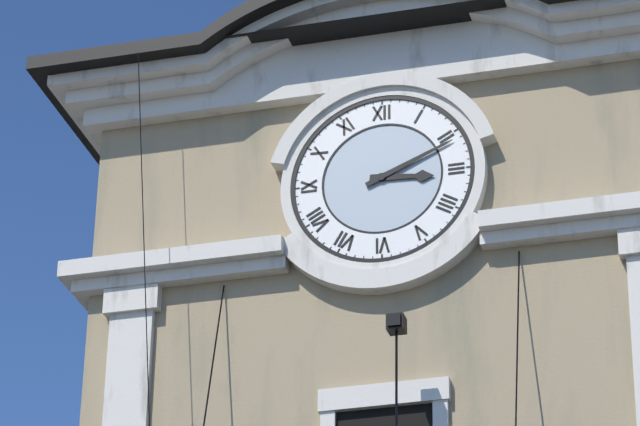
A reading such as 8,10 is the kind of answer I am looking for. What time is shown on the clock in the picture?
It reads 3,11
